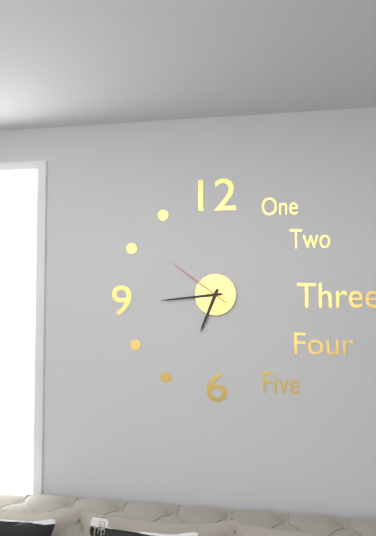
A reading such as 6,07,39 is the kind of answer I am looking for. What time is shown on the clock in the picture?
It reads 6,44,51
